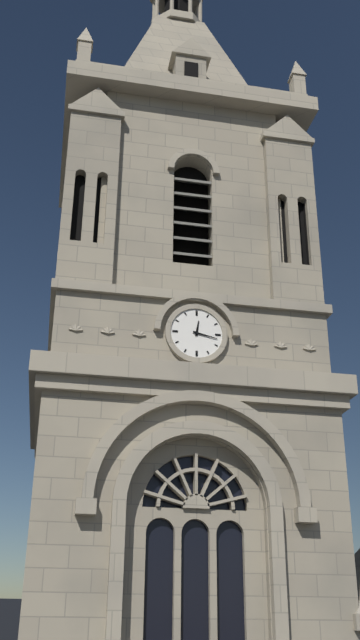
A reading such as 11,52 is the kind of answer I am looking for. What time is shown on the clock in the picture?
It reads 12,17
